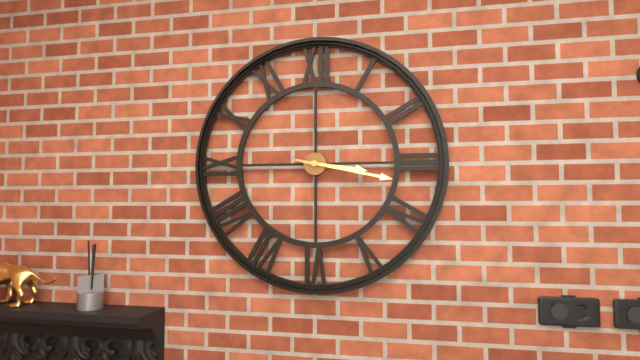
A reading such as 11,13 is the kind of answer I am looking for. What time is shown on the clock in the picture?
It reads 3,17
